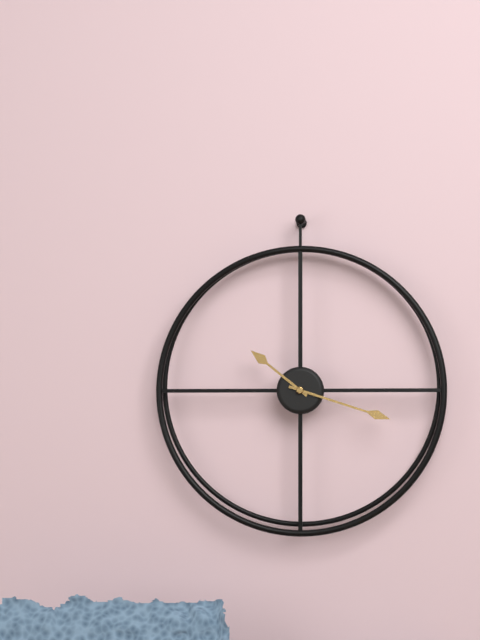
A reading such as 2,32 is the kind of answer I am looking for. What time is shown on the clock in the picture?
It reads 10,18
